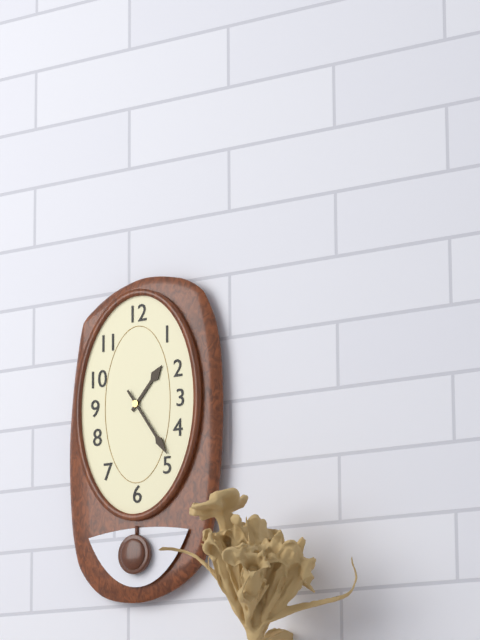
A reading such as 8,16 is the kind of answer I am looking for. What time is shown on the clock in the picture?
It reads 1,24
